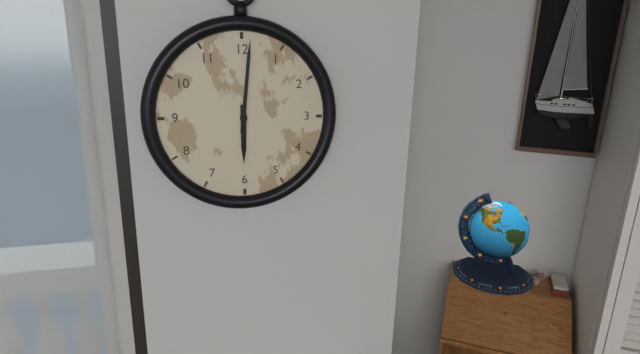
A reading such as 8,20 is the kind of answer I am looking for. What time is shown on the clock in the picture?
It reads 6,01
